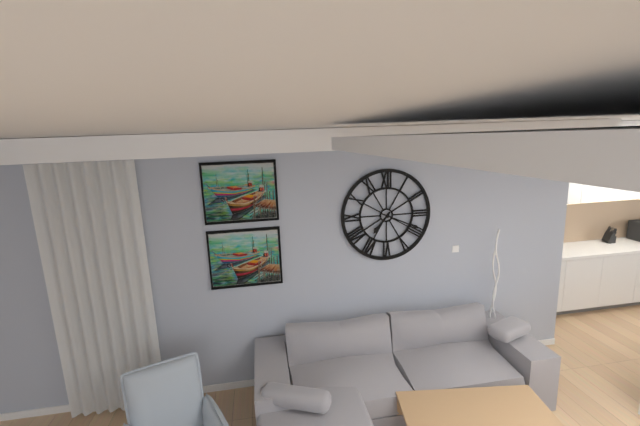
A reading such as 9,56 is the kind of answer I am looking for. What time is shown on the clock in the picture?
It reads 7,19
